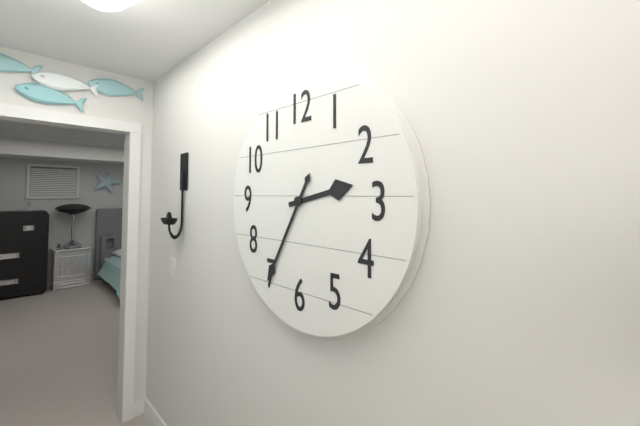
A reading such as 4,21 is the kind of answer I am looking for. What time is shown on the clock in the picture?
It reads 2,35
